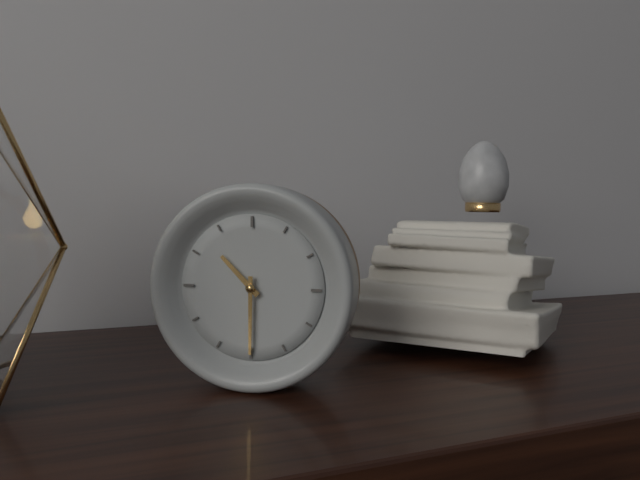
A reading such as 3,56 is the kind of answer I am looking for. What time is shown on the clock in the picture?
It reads 10,30
